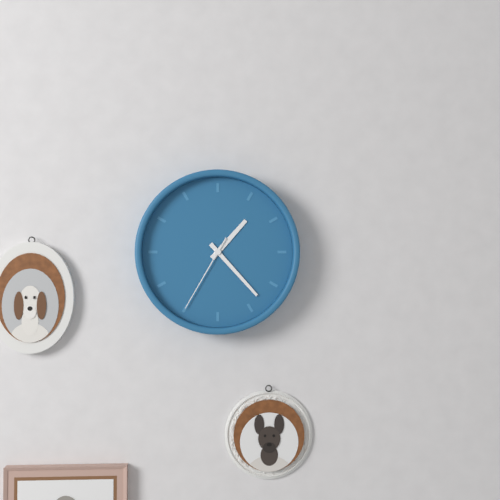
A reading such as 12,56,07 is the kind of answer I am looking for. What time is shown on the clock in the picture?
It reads 1,23,35
